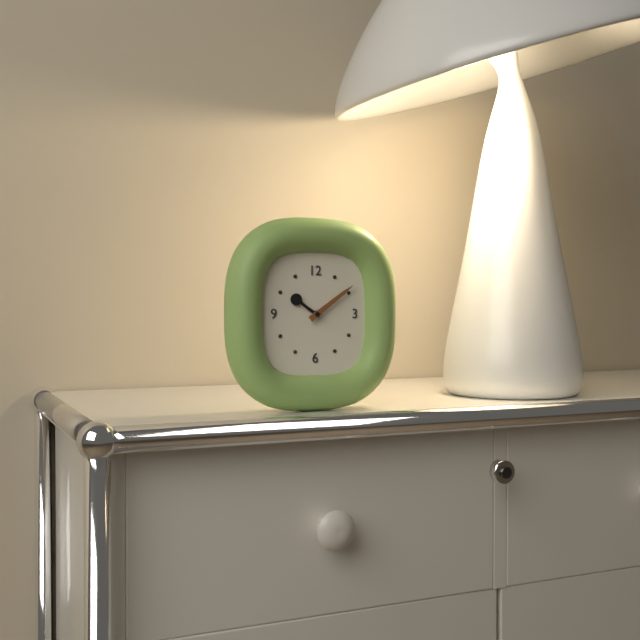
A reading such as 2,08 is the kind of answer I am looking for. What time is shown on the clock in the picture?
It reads 10,09
